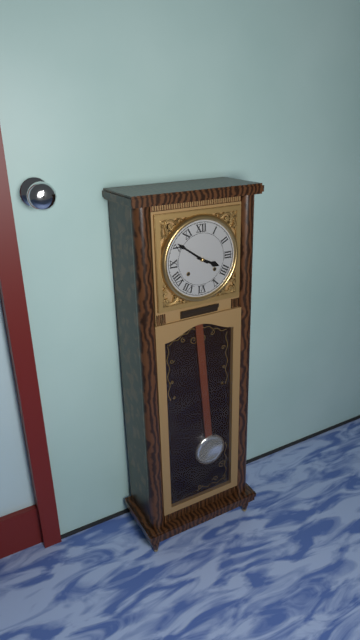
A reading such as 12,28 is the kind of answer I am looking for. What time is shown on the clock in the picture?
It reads 3,51
